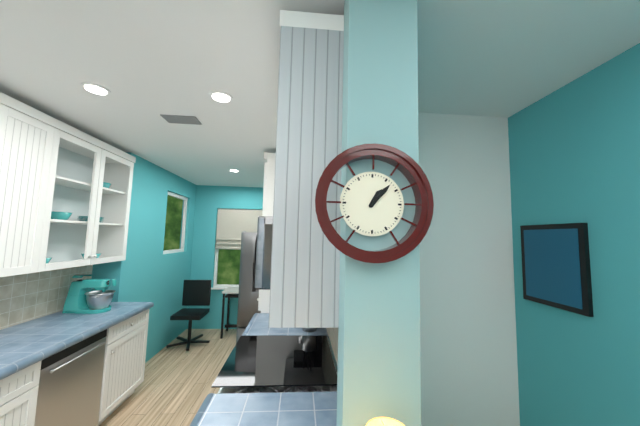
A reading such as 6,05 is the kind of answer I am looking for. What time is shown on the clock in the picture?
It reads 1,07
